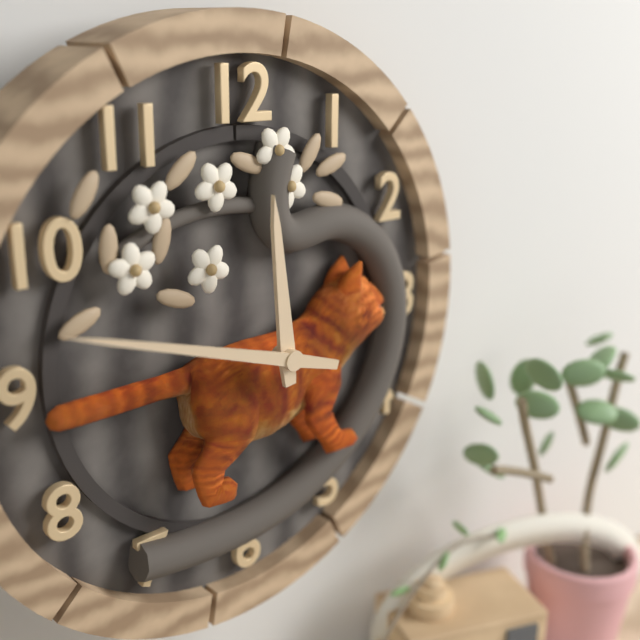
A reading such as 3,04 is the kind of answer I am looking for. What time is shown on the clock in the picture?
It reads 11,48
